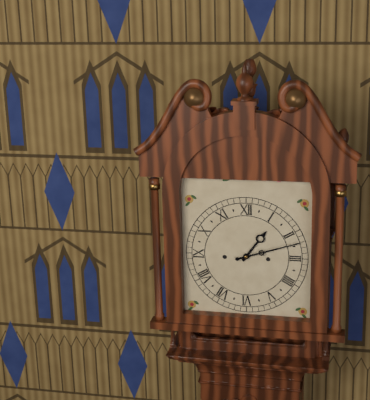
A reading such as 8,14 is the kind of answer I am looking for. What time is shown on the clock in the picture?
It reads 1,12
